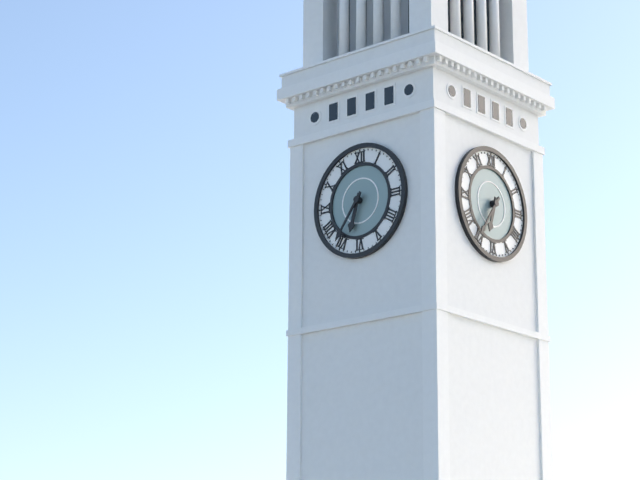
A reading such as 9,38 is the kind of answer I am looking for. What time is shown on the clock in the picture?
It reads 6,36
